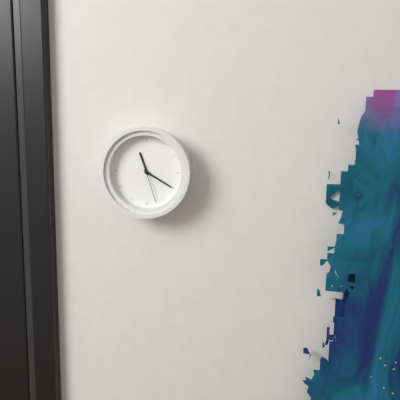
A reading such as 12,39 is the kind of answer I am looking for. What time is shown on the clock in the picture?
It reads 11,20
